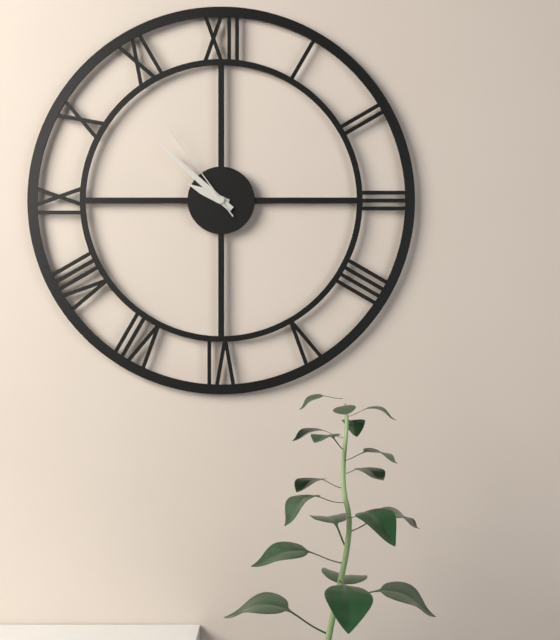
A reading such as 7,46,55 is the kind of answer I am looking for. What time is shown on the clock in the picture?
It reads 9,52,54
